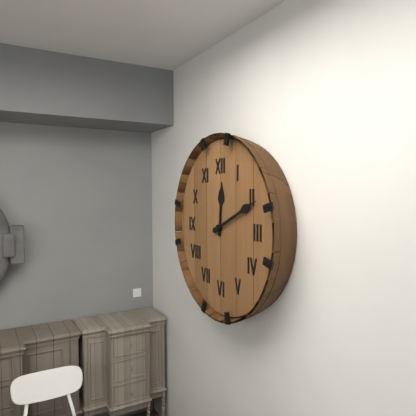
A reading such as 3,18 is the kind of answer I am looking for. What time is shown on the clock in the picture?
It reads 12,11
